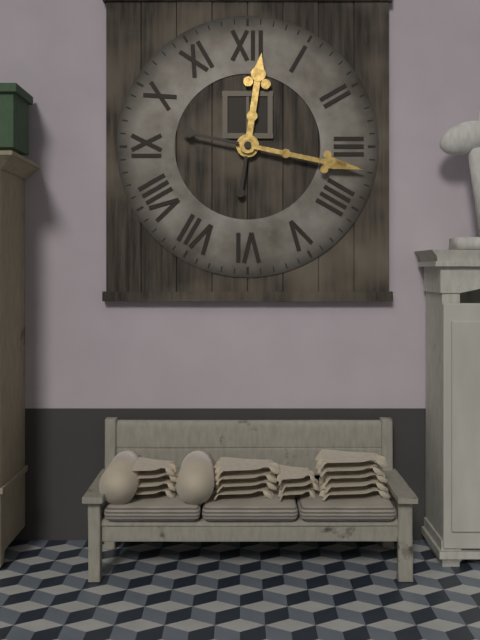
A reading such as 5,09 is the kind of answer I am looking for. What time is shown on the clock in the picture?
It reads 12,17
